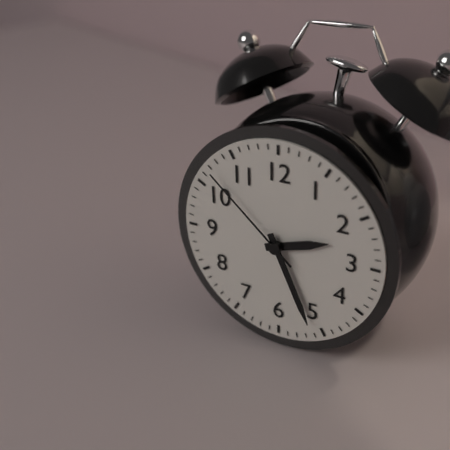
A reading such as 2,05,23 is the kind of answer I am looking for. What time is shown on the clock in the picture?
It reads 2,26,52
